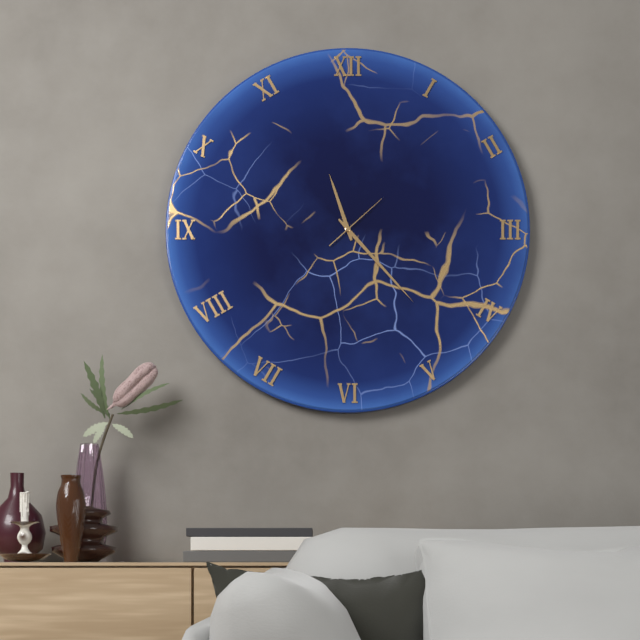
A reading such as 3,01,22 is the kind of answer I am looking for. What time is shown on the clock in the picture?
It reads 11,23,08
